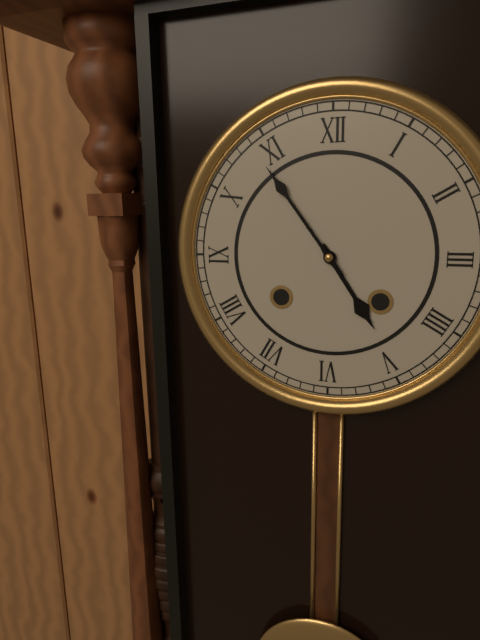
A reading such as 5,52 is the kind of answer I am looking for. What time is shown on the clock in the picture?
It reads 4,54
